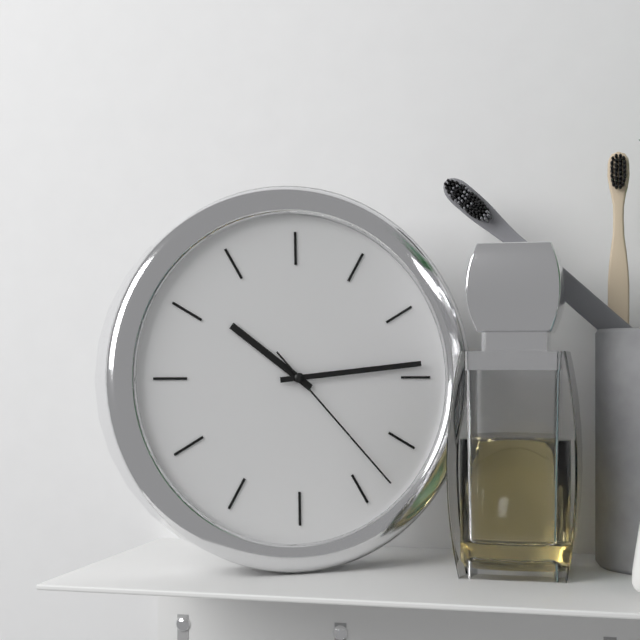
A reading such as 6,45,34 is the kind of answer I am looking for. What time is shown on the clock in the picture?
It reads 10,14,23
